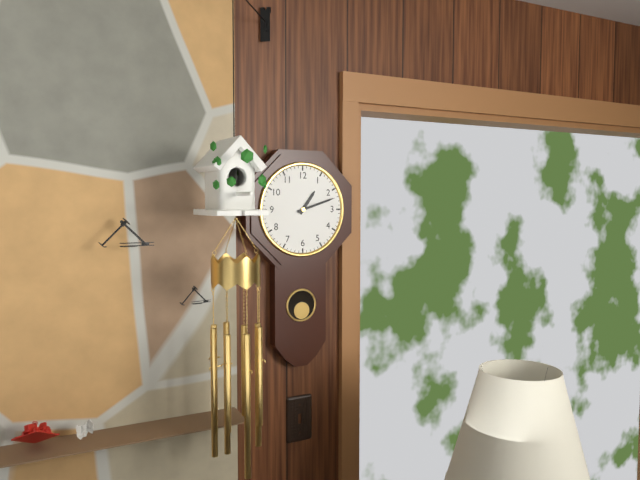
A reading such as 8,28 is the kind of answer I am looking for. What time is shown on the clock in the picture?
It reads 1,12
